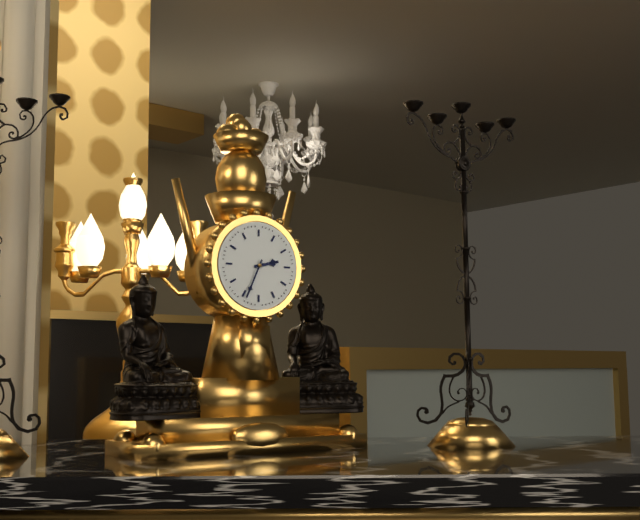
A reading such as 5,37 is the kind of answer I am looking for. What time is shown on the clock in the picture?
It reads 2,34
